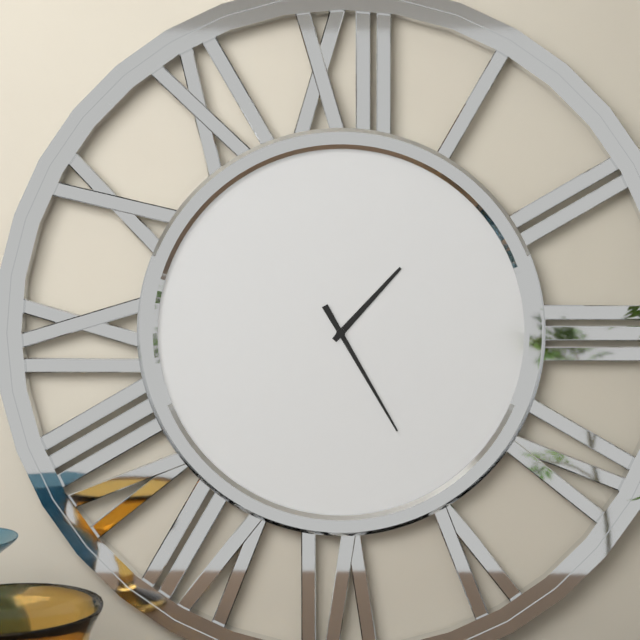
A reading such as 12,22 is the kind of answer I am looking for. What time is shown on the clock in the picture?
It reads 1,25
